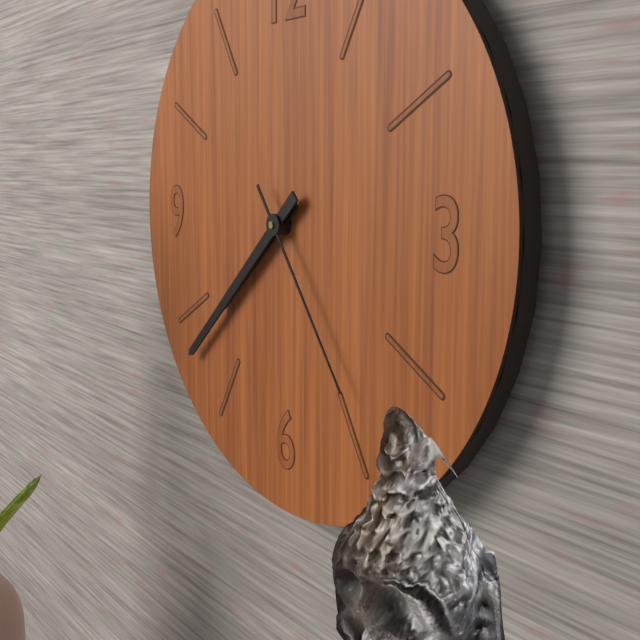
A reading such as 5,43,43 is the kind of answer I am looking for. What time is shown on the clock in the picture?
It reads 7,38,24
